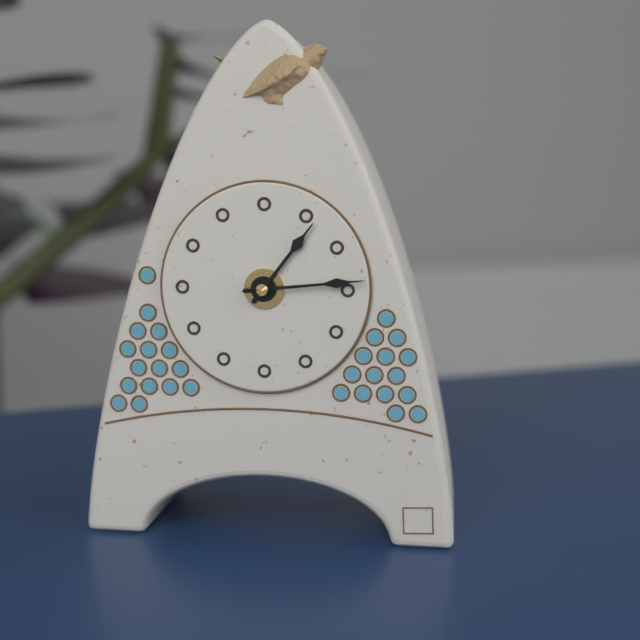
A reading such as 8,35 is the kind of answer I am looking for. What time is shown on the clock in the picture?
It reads 1,14
